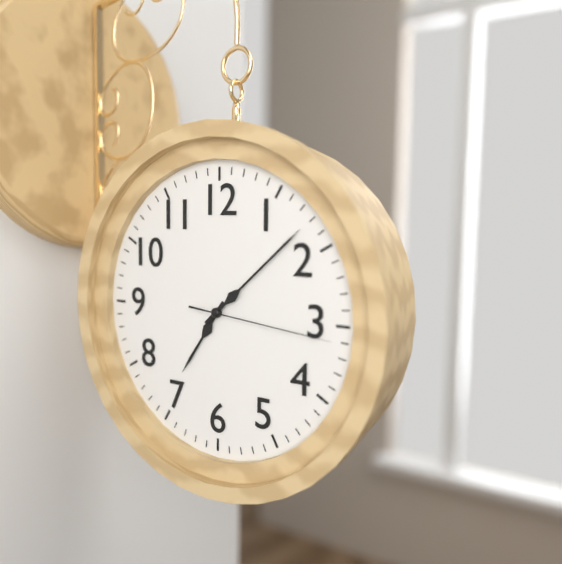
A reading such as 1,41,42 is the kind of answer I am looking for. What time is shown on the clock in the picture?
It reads 7,08,16
